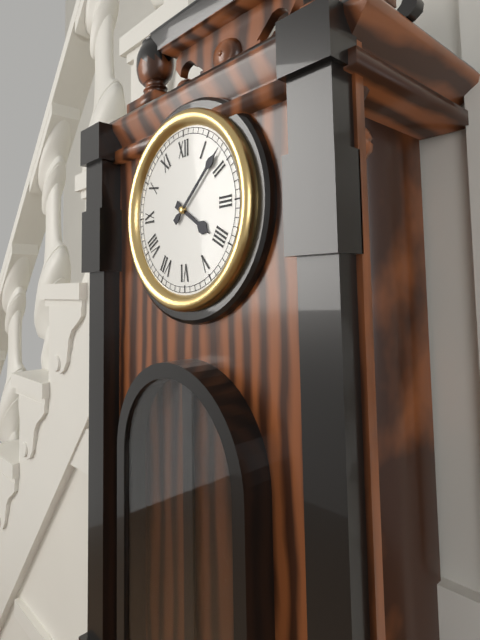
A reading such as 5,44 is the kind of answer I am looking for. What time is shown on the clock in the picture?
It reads 4,08
